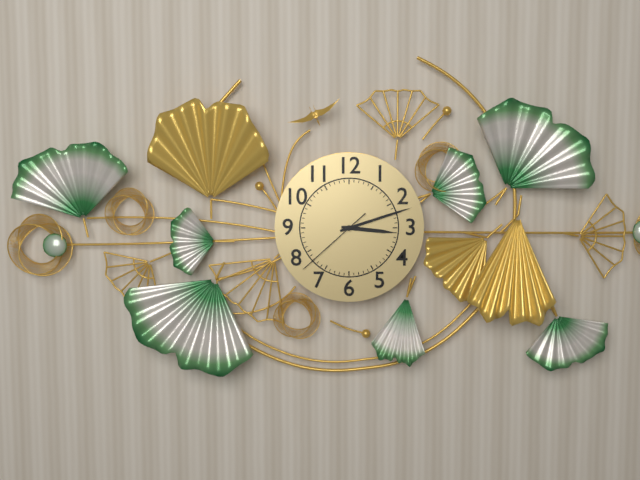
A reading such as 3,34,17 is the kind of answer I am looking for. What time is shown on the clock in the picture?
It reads 3,12,38
